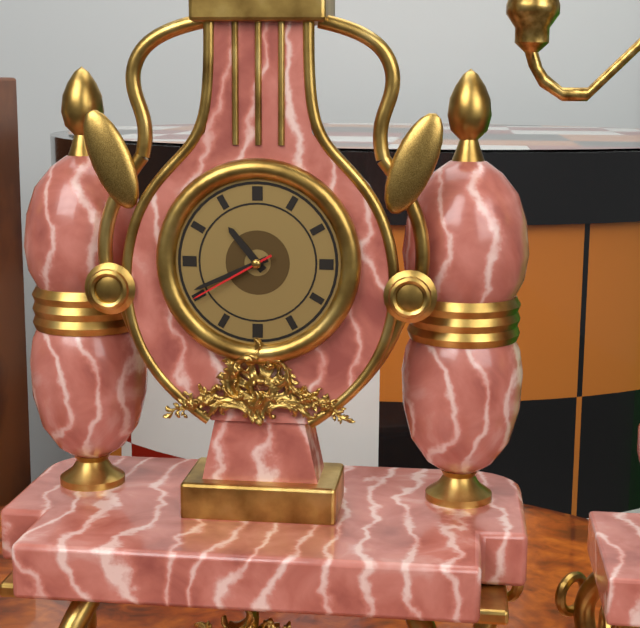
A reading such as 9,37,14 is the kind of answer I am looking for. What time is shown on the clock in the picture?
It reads 10,41,40
